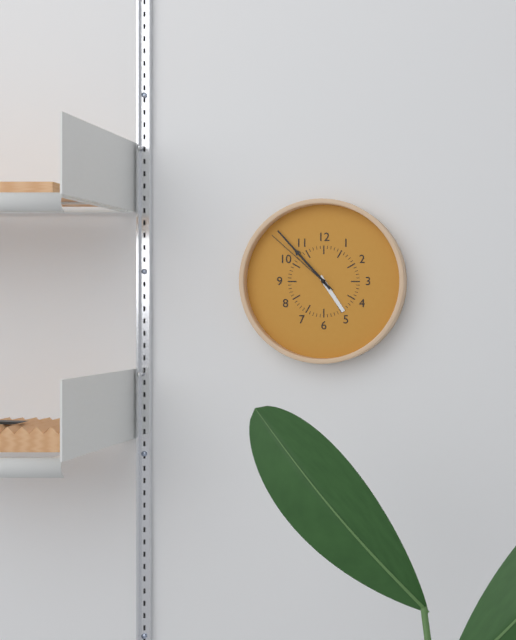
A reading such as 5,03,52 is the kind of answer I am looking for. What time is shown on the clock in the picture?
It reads 4,53,52
